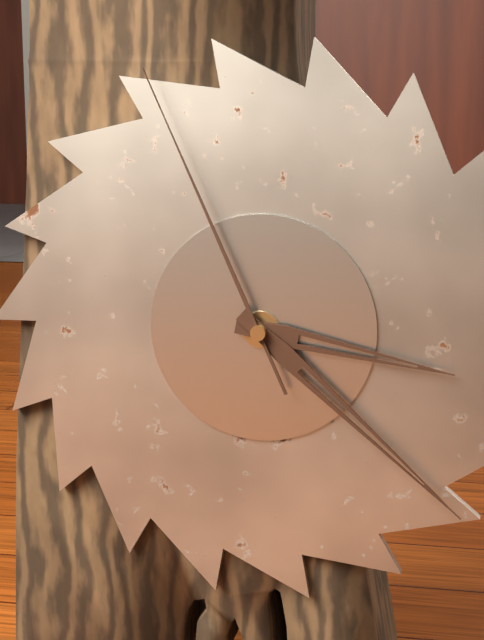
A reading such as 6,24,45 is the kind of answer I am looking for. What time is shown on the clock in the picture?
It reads 3,22,56
